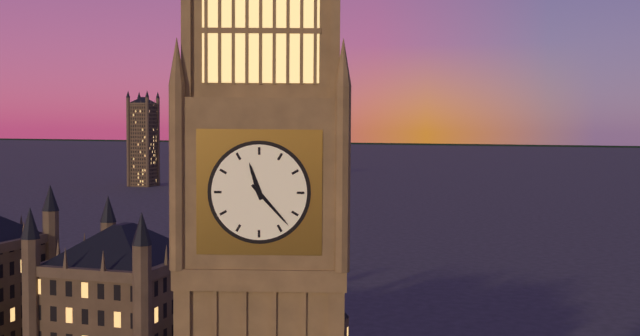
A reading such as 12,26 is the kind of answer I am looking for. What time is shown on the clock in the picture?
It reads 11,23
